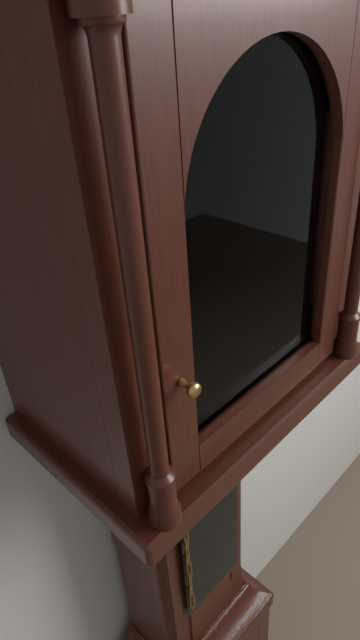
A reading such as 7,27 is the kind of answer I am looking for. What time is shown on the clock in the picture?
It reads 9,16
